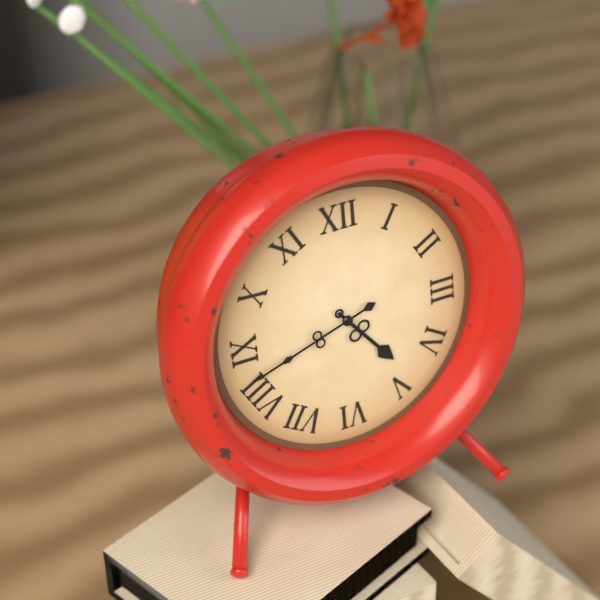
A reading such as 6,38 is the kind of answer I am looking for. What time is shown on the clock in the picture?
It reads 4,42
